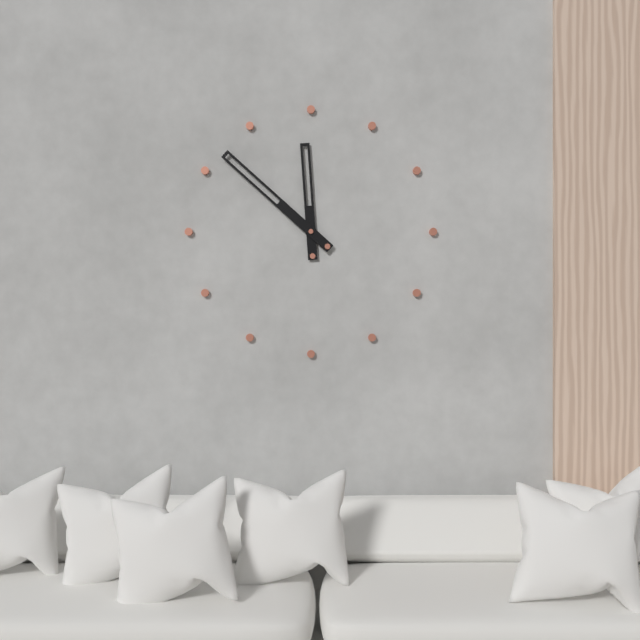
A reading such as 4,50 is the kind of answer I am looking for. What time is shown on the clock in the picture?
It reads 11,52
